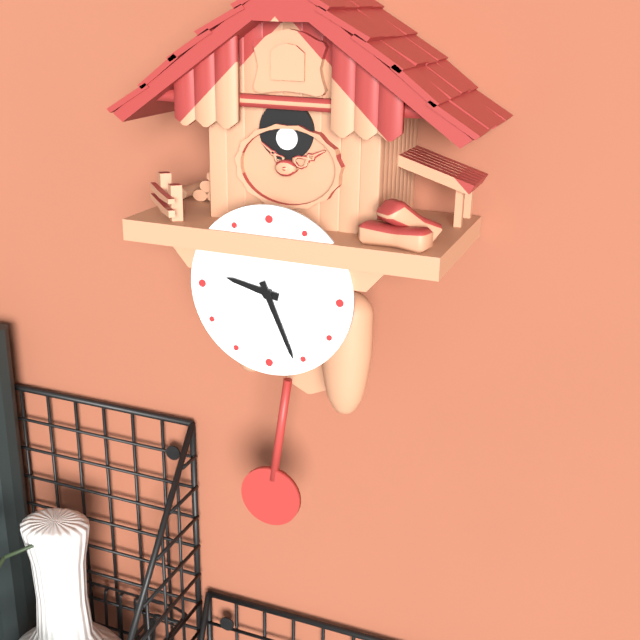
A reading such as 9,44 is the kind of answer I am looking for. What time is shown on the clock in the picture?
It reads 9,26
